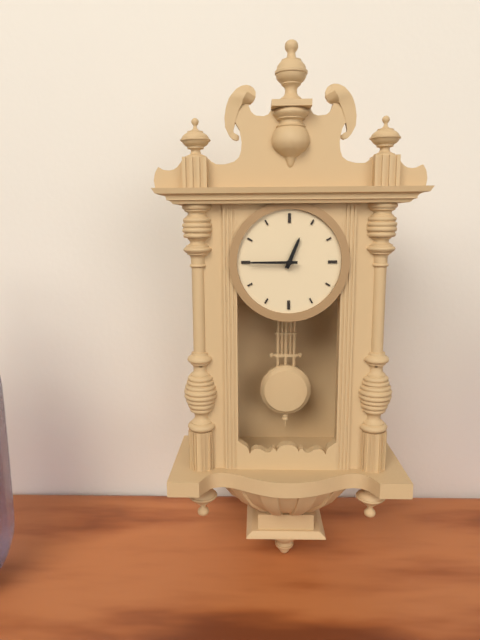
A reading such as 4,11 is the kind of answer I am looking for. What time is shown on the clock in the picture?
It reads 12,45
